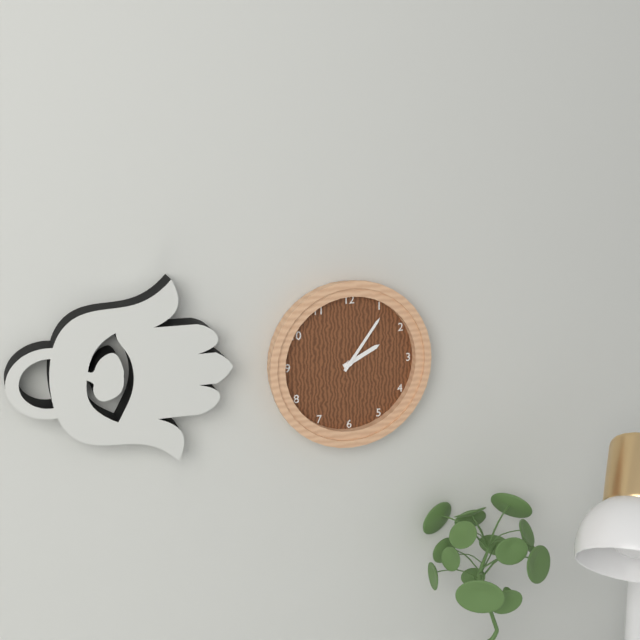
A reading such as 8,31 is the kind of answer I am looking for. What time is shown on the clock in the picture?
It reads 2,06
